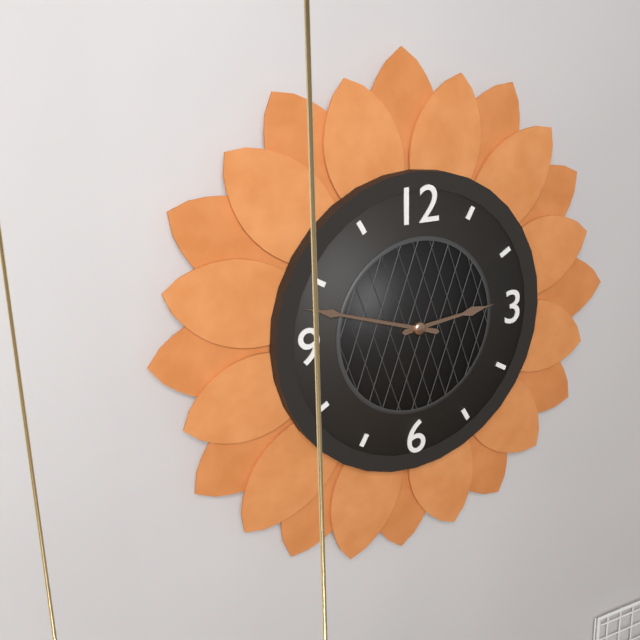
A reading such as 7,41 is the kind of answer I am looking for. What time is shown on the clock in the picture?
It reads 2,48
